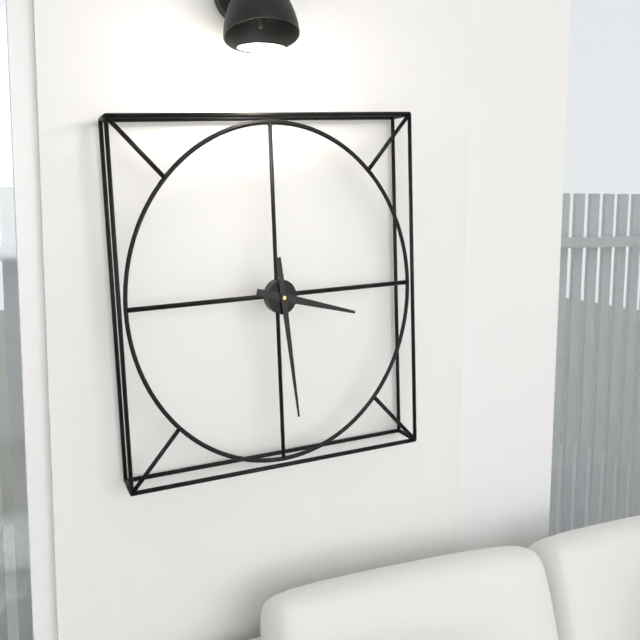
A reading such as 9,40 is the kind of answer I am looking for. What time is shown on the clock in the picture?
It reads 3,29
